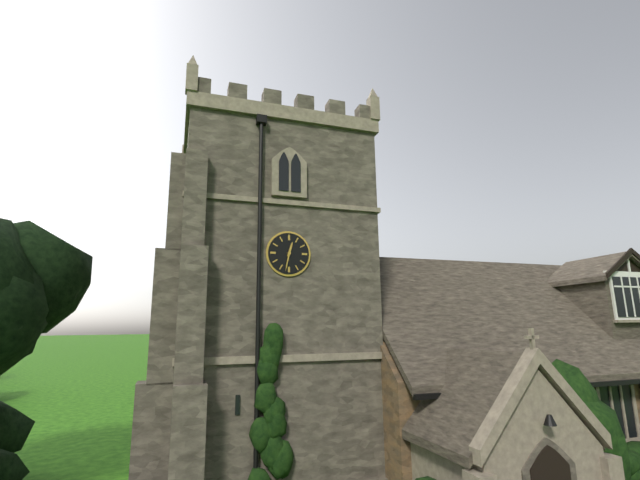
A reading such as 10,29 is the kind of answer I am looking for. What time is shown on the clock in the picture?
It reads 12,32
